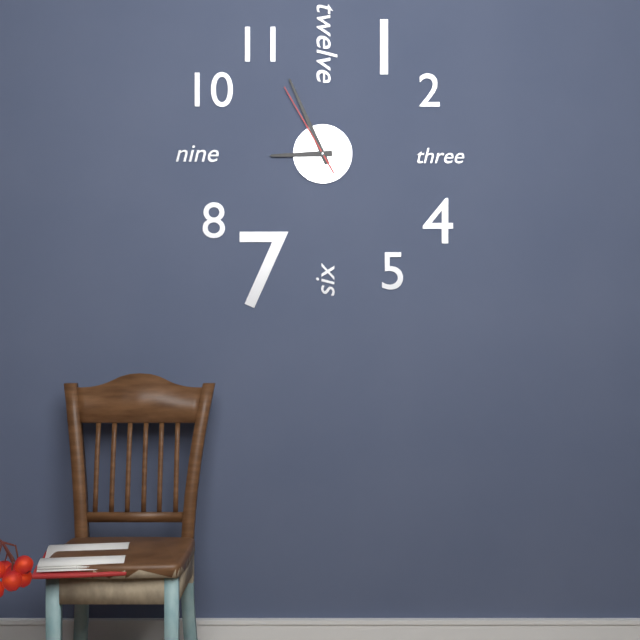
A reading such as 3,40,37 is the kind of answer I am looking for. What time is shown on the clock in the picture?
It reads 8,56,55
